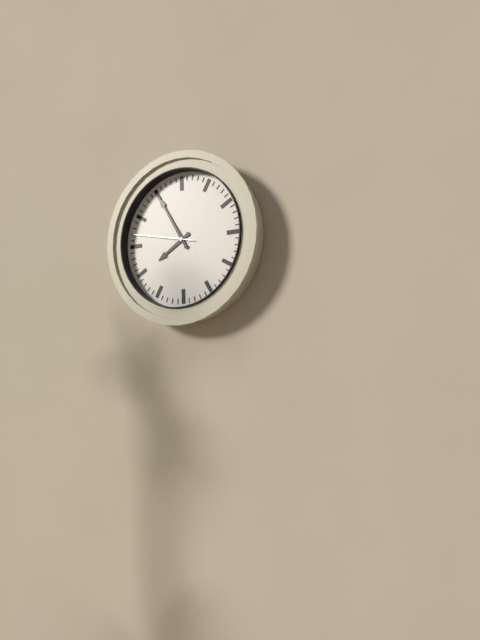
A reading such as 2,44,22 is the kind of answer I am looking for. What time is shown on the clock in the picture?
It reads 7,55,47
